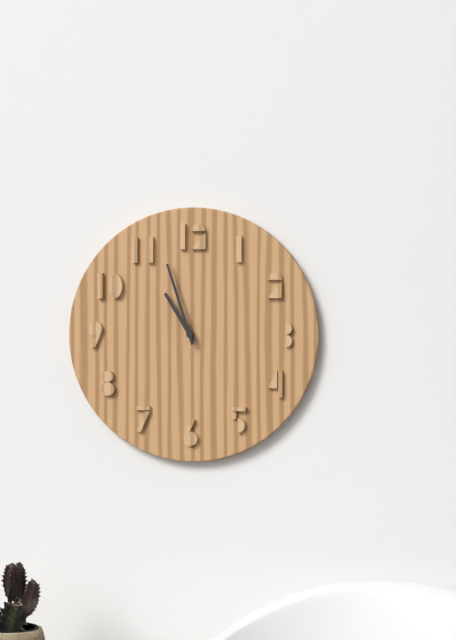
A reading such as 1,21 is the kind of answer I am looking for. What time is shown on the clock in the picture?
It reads 10,57
